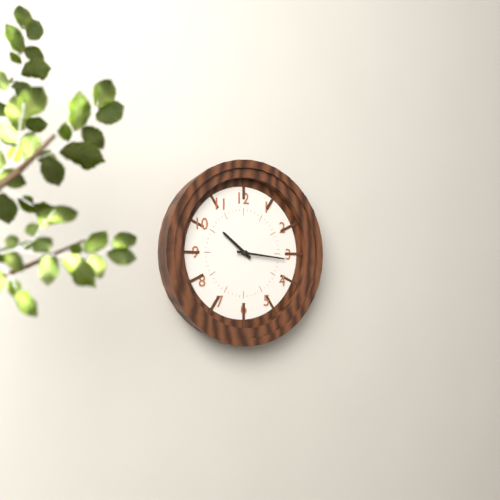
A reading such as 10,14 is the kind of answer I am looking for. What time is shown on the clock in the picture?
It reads 10,16
